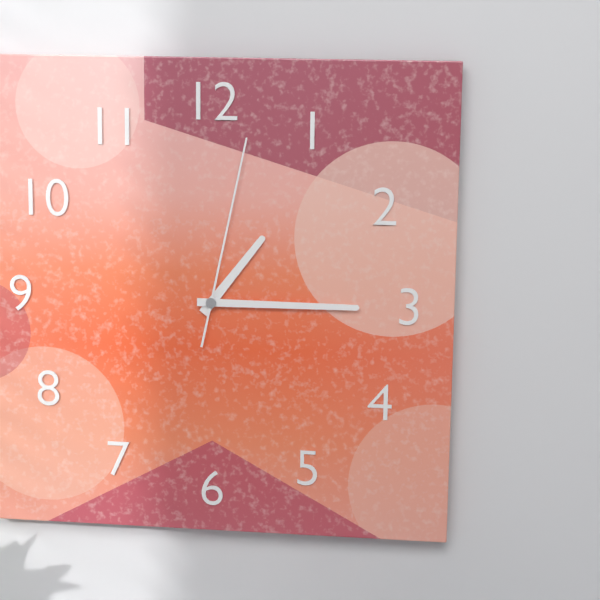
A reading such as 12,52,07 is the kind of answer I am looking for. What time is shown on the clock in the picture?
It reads 1,15,02
